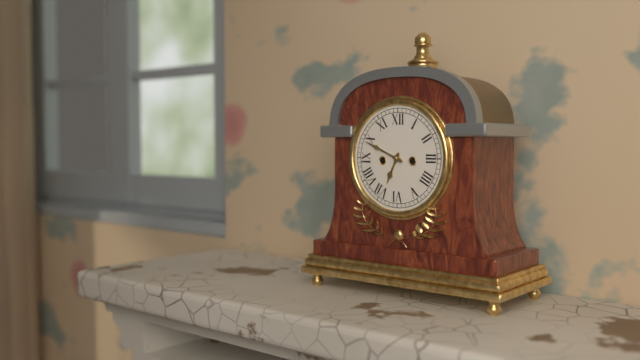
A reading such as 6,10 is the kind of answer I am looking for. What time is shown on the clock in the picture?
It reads 6,49
